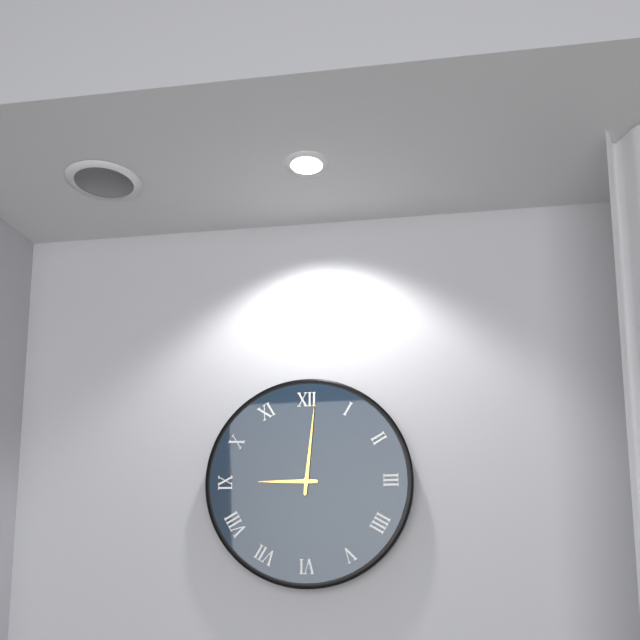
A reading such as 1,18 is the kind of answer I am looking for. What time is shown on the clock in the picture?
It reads 9,01
